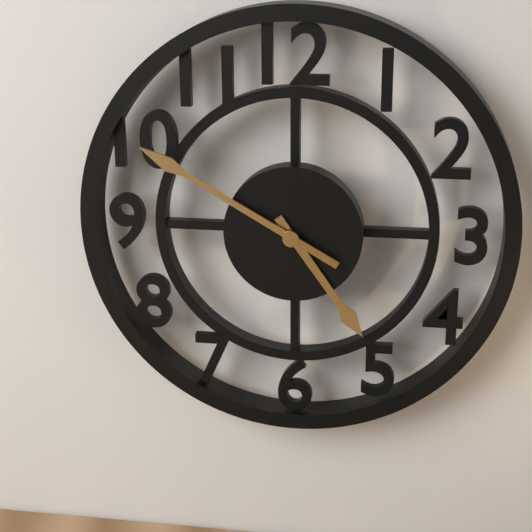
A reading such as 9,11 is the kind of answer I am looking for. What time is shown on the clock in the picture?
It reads 4,50
